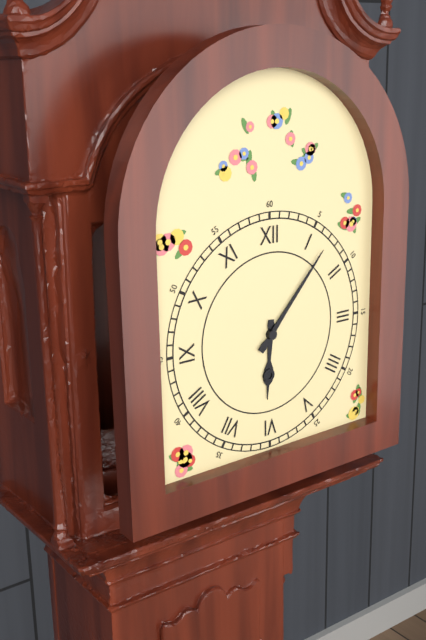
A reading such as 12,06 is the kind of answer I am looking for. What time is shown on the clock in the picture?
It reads 6,07
